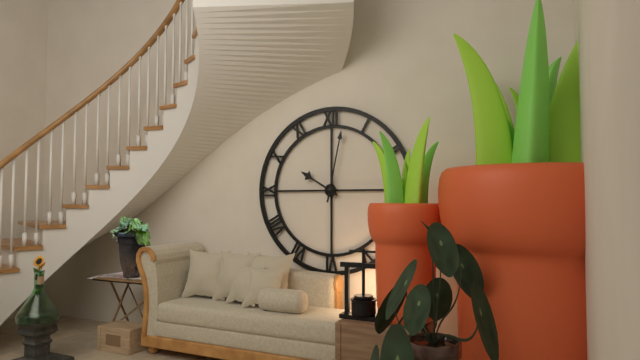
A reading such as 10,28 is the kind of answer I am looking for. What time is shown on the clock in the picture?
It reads 10,02
